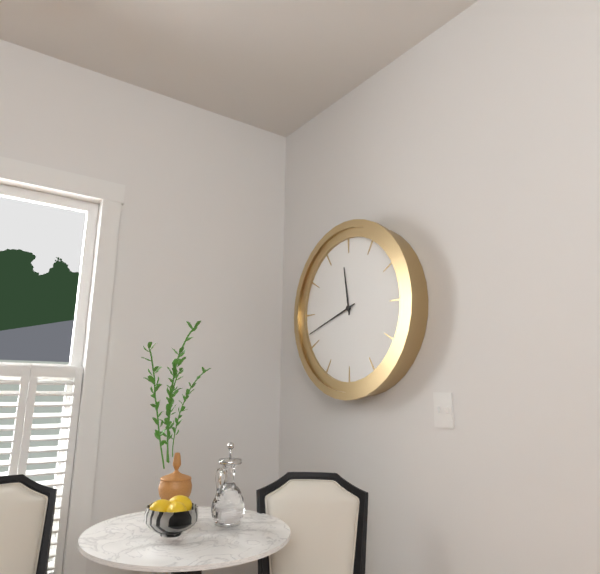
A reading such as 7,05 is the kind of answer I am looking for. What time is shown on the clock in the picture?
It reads 11,42
